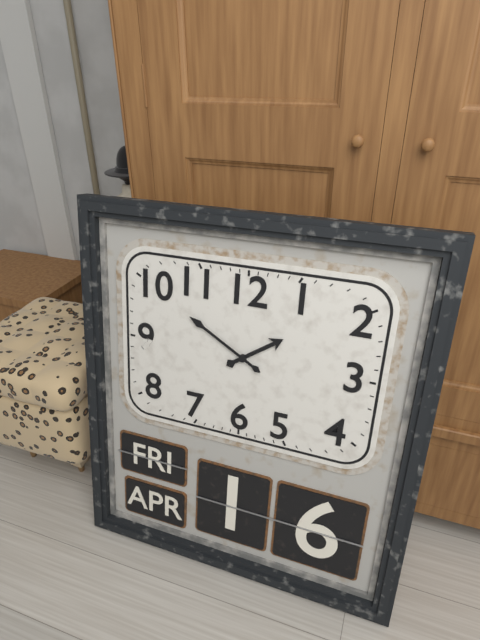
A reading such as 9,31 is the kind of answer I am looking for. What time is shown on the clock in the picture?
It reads 1,50
